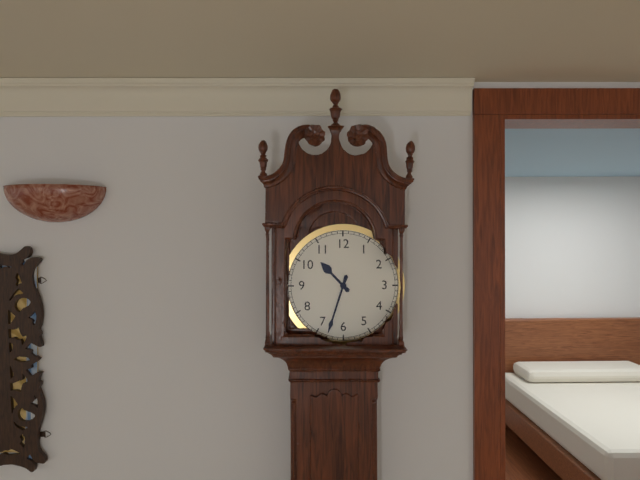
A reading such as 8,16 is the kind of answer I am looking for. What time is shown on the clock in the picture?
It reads 10,33
